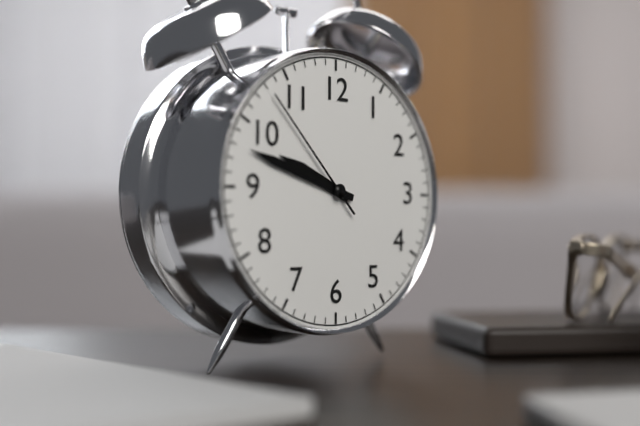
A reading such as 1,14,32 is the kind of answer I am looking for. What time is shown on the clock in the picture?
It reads 9,48,53
